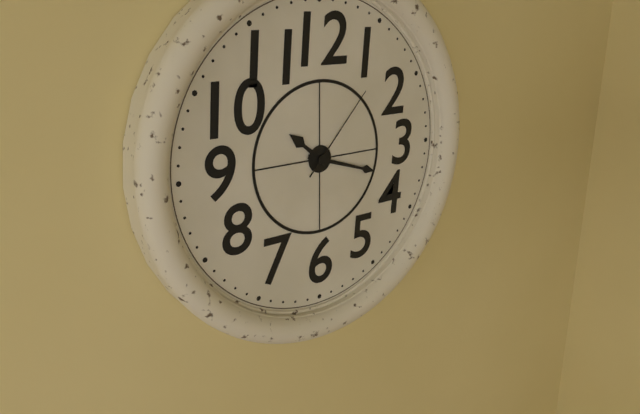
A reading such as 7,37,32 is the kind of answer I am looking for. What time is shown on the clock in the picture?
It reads 10,18,07
